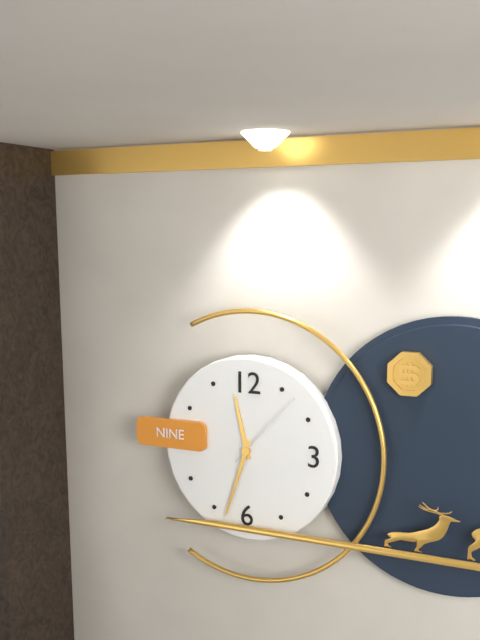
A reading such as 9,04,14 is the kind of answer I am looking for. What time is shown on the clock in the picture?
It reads 11,33,07
